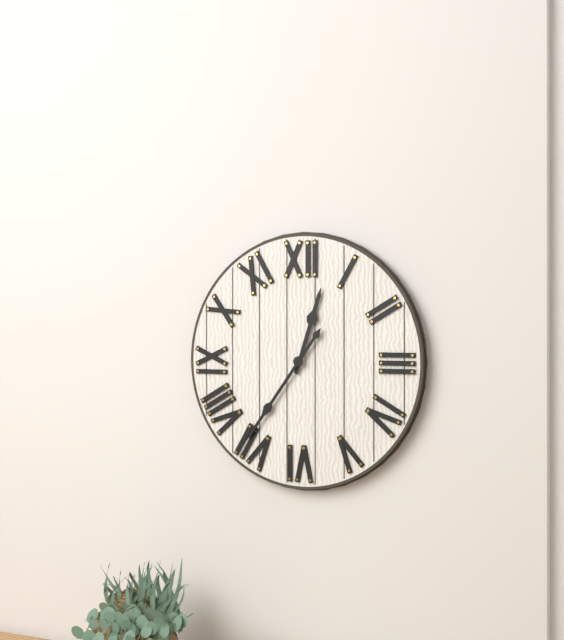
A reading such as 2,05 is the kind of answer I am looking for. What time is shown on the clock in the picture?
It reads 12,36
